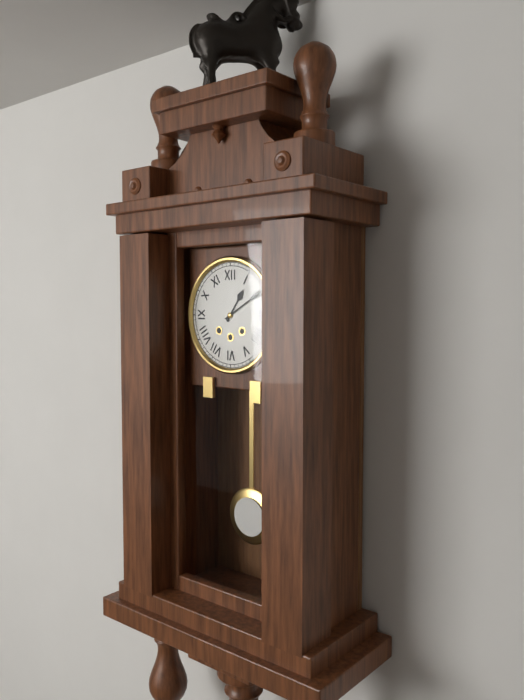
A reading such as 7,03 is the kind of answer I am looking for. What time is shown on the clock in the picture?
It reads 1,10
